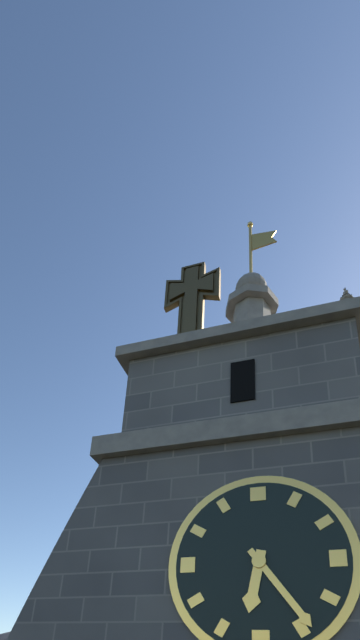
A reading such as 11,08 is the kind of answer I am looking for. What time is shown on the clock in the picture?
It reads 6,24
